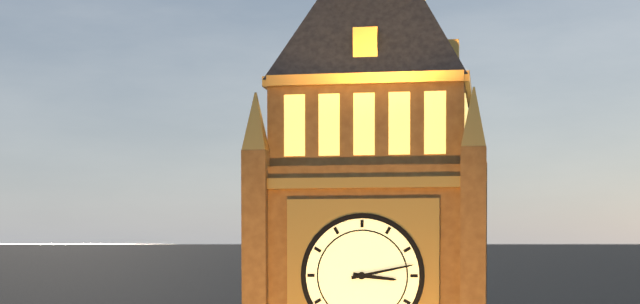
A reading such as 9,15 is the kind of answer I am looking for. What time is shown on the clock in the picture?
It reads 3,13
